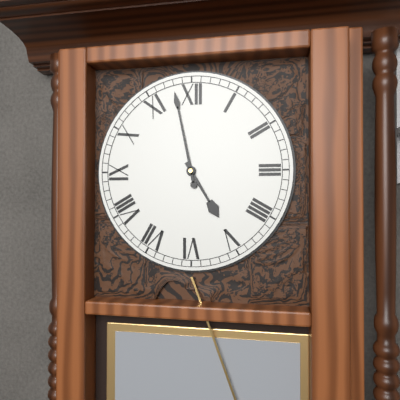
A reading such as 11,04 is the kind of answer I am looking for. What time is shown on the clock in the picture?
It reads 4,58
